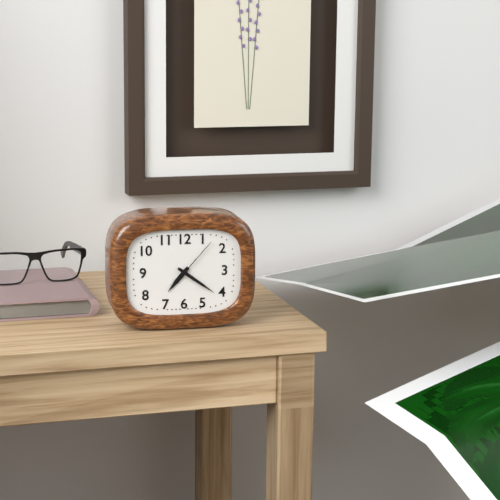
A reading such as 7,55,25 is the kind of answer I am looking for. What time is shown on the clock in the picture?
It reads 7,21,07
